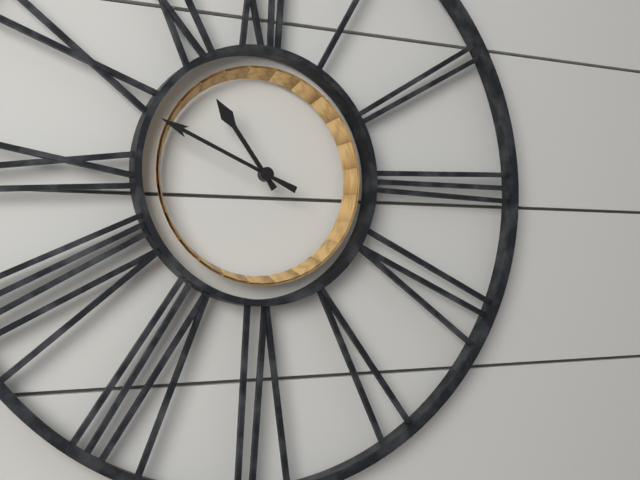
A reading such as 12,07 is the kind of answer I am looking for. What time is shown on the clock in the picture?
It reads 10,49
